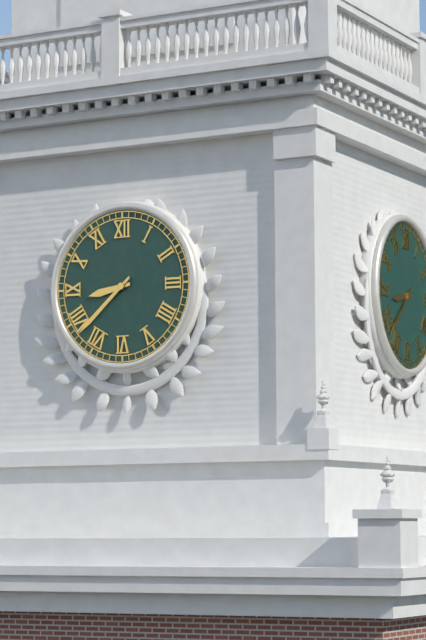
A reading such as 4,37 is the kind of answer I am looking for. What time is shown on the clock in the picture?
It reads 8,38
